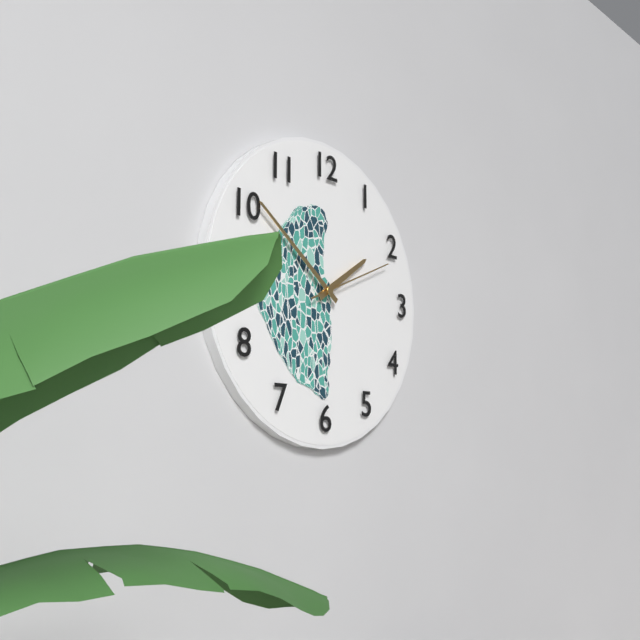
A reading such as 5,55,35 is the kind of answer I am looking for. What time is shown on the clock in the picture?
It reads 1,51,11
